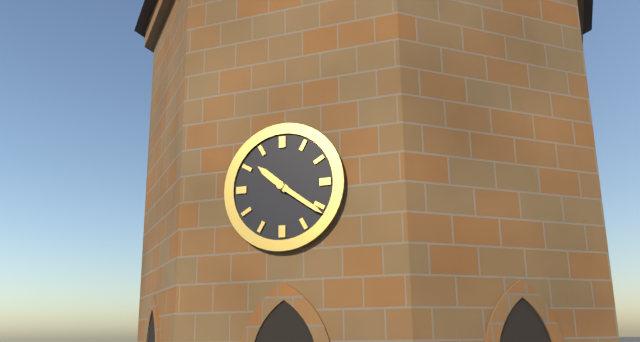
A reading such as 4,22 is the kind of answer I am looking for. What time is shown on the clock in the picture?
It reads 10,21
